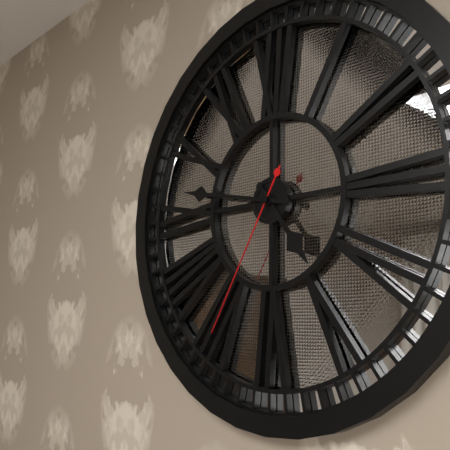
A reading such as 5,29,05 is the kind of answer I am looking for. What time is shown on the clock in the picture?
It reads 4,47,35
